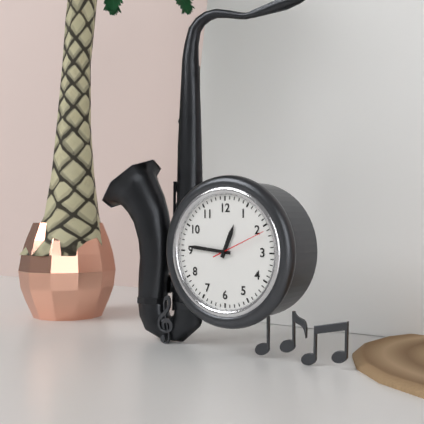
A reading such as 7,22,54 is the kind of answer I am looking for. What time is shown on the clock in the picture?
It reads 12,46,11
